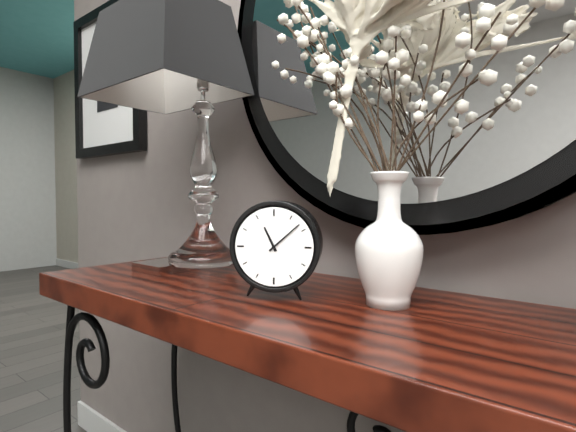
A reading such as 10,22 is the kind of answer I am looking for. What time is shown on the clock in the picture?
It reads 11,08
